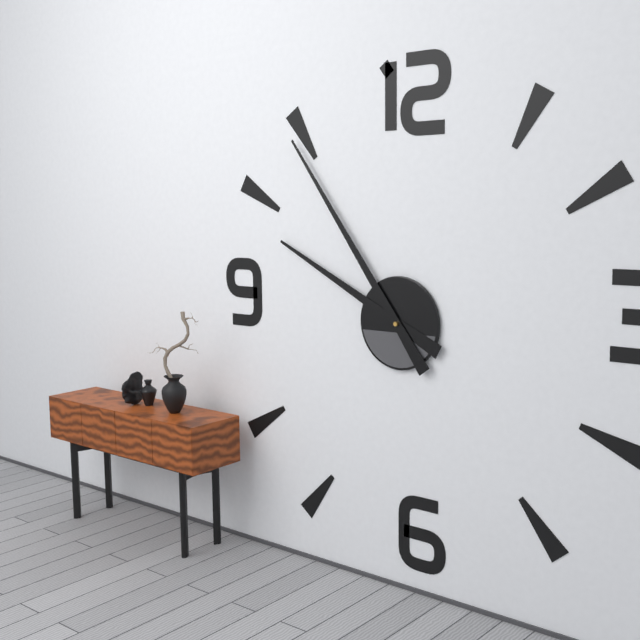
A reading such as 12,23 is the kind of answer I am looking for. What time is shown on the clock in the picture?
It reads 9,54
